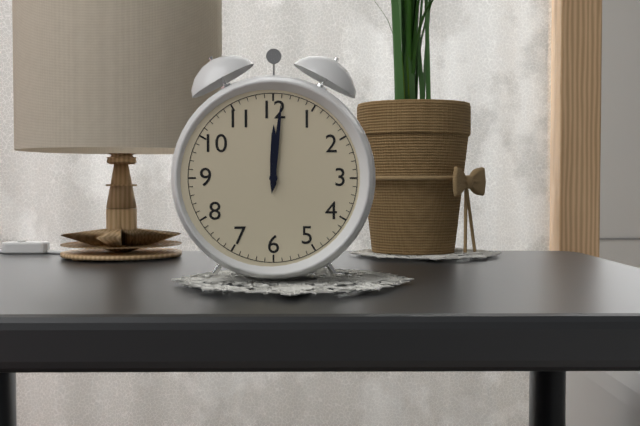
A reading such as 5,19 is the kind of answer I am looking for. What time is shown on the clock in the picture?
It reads 12,01
